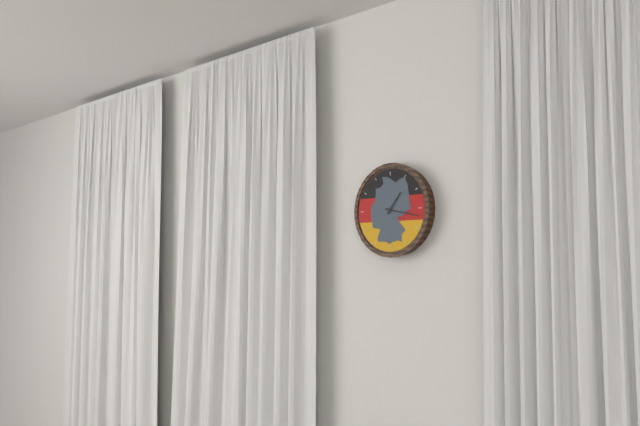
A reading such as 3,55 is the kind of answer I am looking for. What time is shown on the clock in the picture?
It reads 1,17
